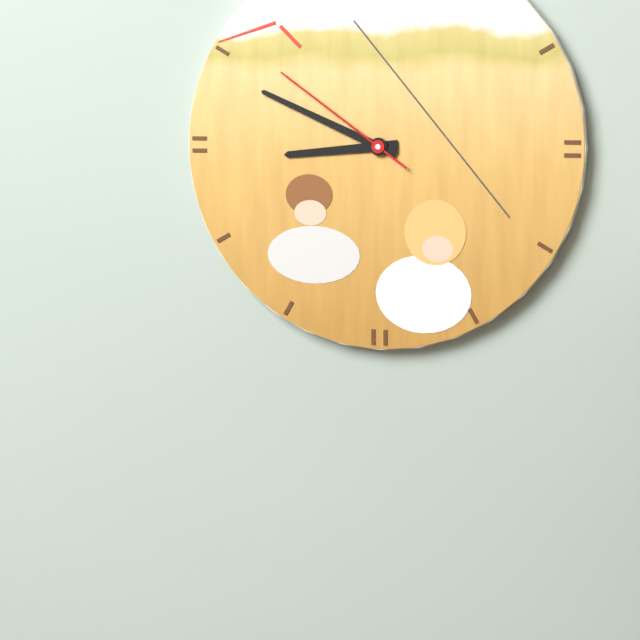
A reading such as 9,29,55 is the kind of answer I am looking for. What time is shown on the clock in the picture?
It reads 8,49,51
